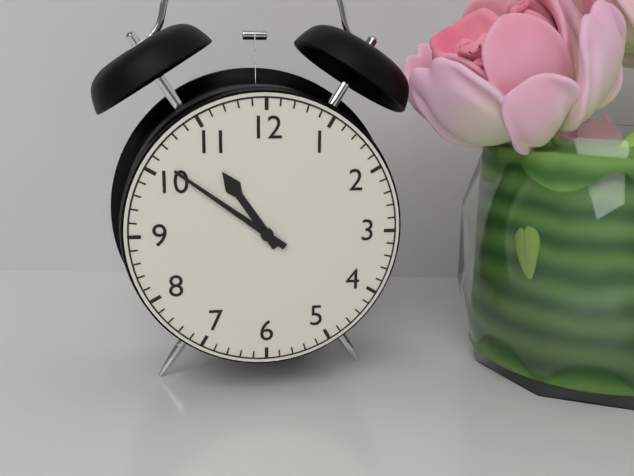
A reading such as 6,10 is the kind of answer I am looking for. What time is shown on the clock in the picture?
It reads 10,51
